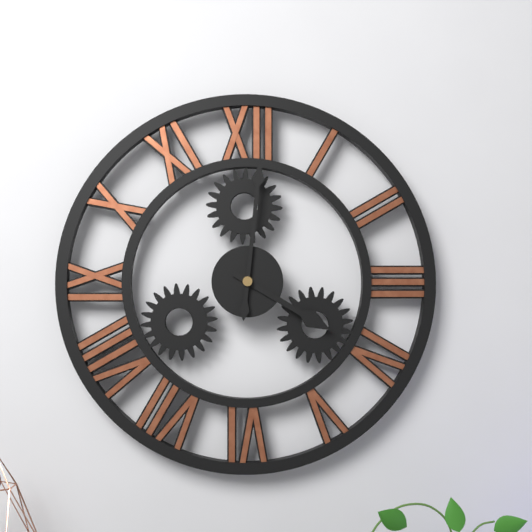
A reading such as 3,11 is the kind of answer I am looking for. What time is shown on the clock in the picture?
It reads 4,01
